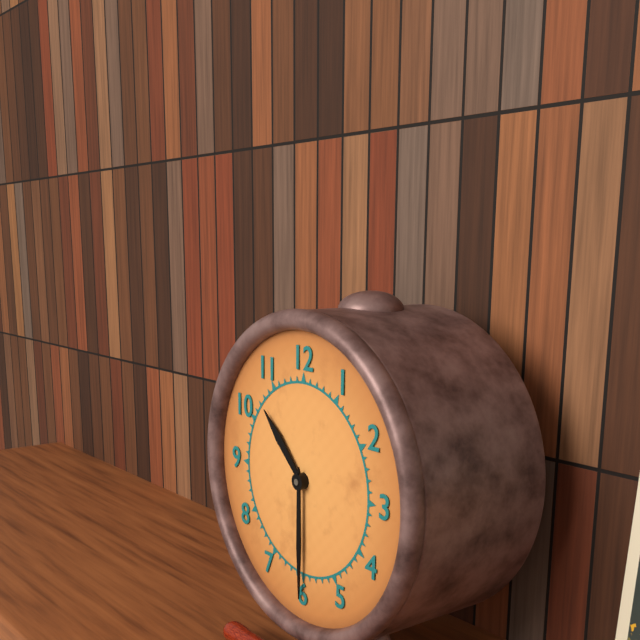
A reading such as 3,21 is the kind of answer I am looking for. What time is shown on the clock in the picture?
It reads 10,30
